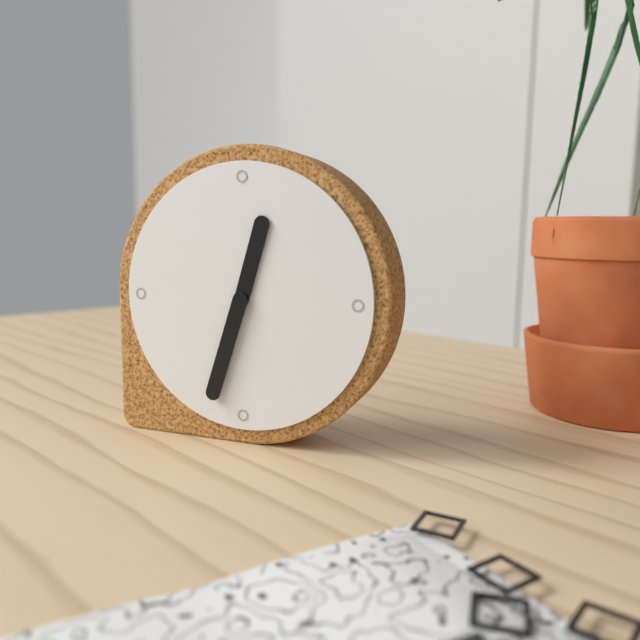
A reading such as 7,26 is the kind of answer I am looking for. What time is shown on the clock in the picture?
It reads 12,33
